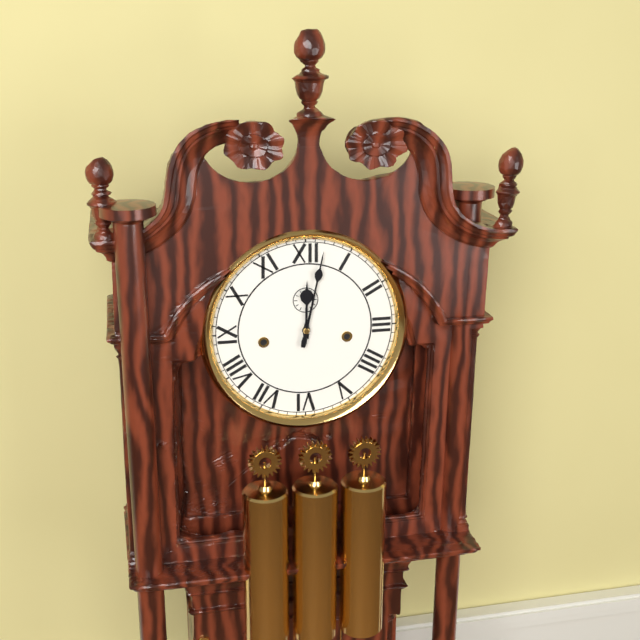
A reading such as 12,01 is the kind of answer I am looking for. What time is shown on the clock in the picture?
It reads 12,02
